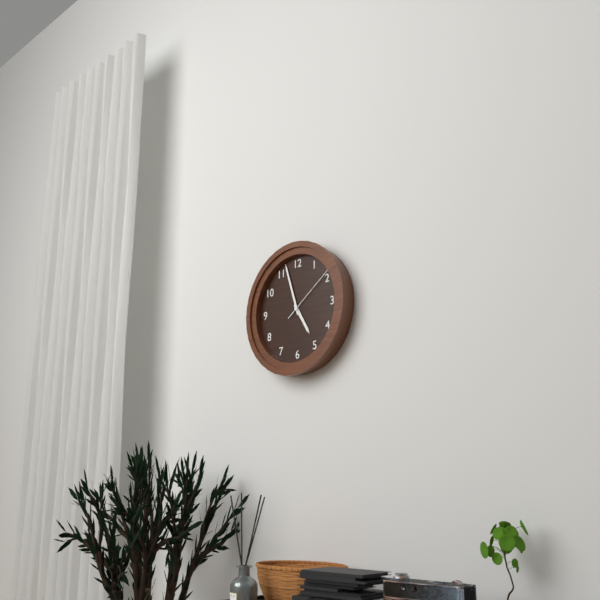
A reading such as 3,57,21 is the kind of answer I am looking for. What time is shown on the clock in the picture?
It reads 4,57,09
